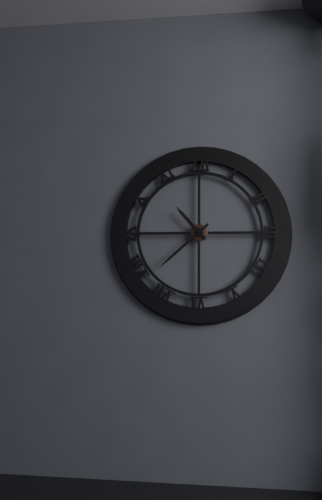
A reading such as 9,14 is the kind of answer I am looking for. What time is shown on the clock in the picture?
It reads 10,38
